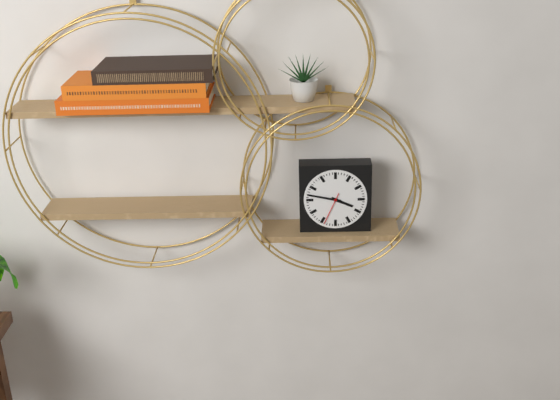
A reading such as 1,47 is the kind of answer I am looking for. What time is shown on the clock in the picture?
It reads 3,47
